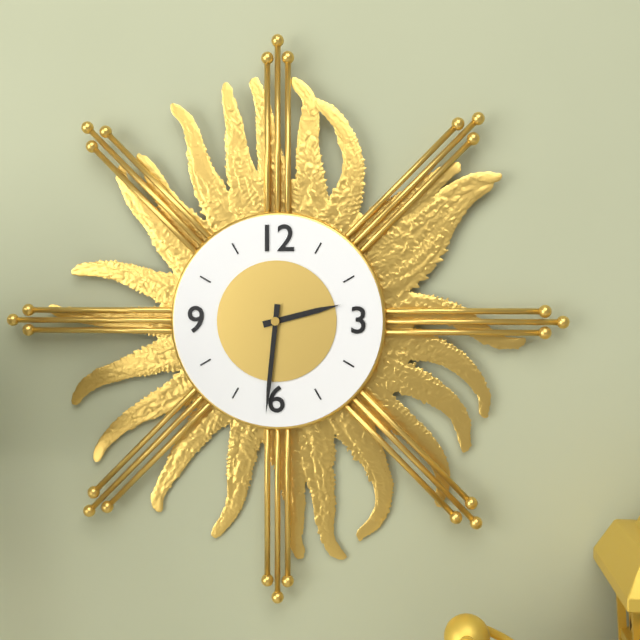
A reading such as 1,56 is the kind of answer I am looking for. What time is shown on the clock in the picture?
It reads 2,31
